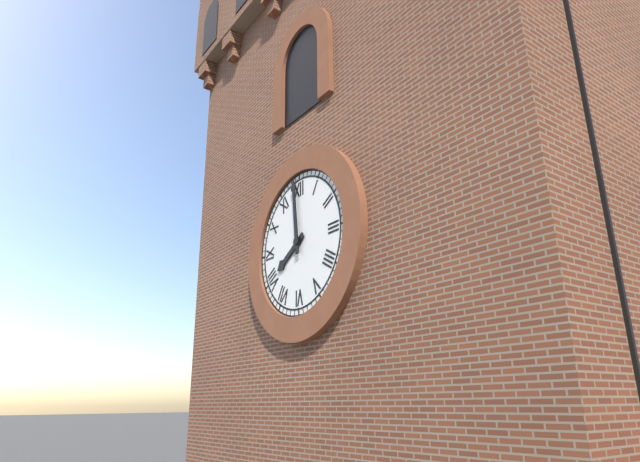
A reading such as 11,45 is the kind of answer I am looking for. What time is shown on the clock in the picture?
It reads 7,59
